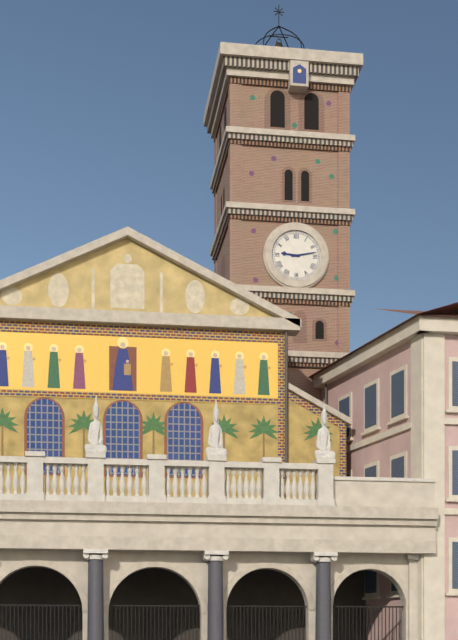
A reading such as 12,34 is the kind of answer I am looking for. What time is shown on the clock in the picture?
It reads 9,13
